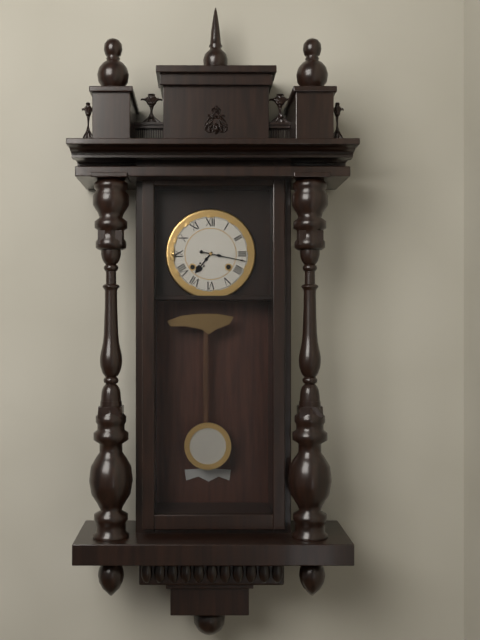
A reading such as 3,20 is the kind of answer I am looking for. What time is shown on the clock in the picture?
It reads 7,17
